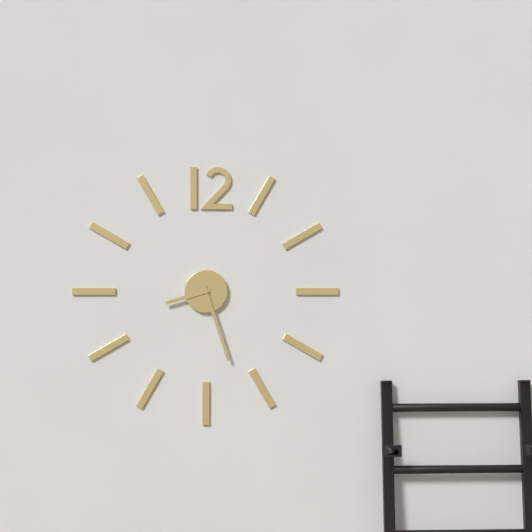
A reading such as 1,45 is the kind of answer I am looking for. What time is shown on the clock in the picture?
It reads 8,27
